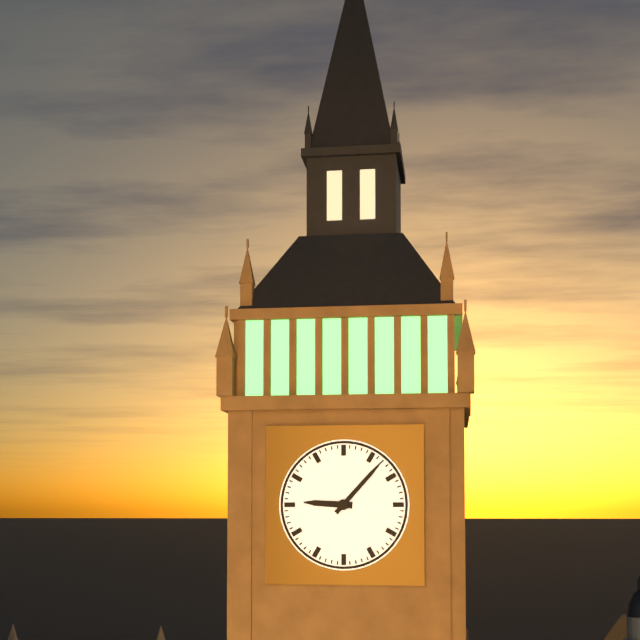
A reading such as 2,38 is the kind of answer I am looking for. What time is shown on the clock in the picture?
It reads 9,07
